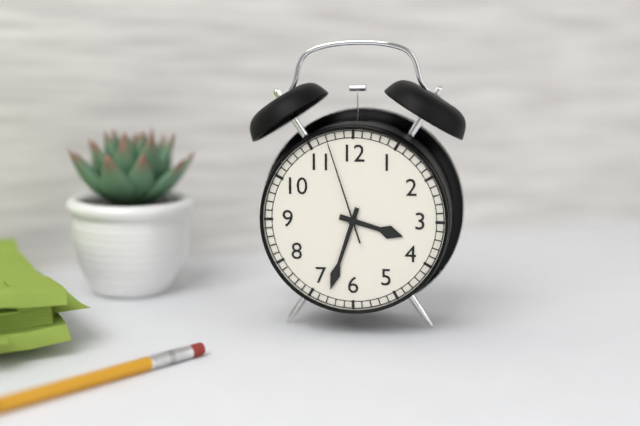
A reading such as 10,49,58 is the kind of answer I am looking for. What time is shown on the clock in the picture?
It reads 3,33,57
